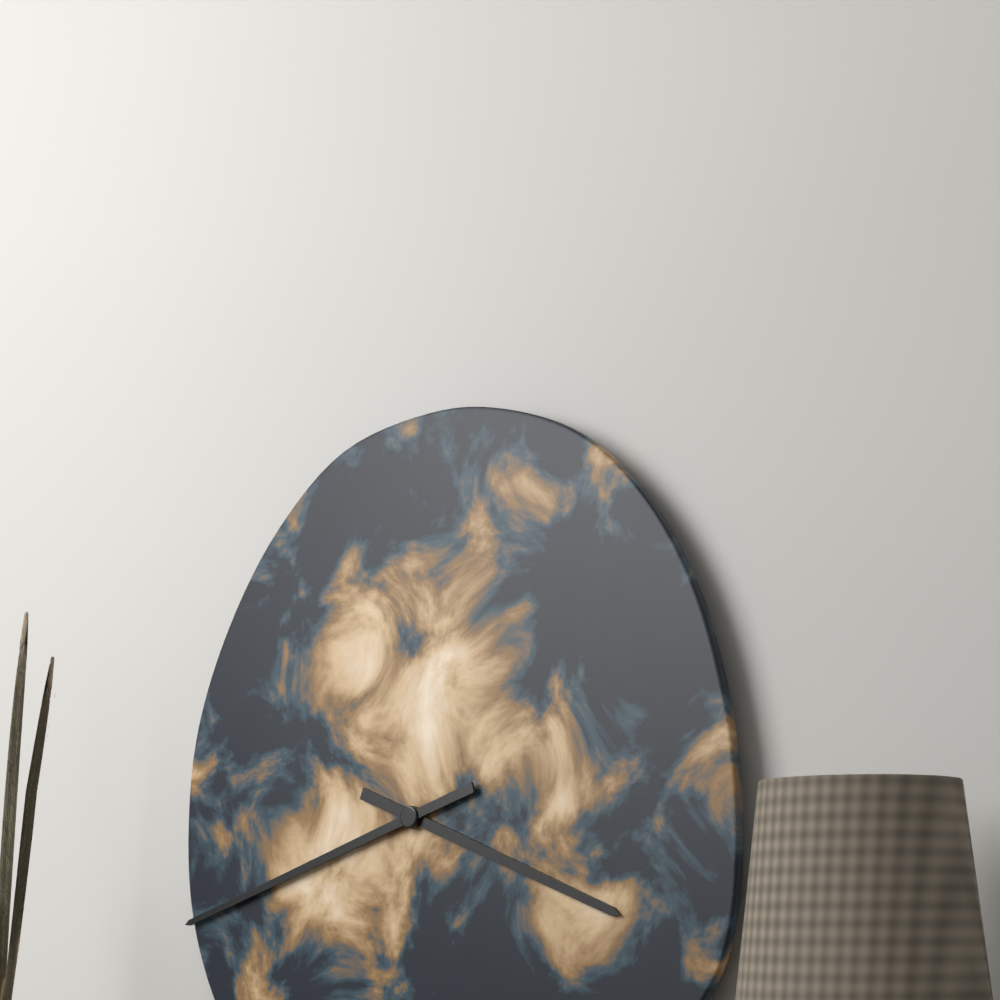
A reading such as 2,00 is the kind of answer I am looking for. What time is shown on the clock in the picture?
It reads 3,42
